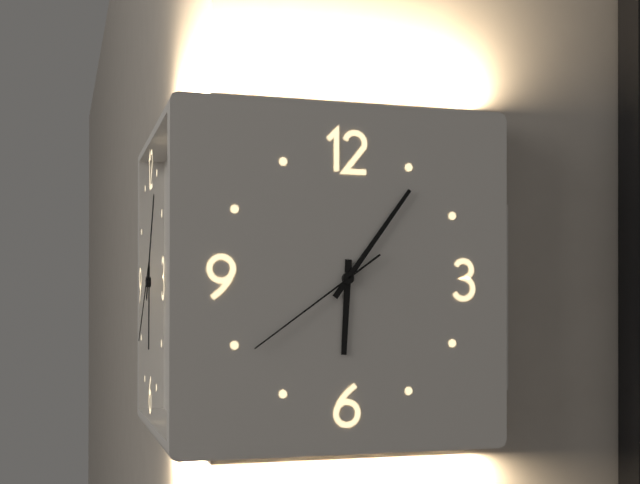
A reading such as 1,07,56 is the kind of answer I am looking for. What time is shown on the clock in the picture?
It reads 6,06,39
